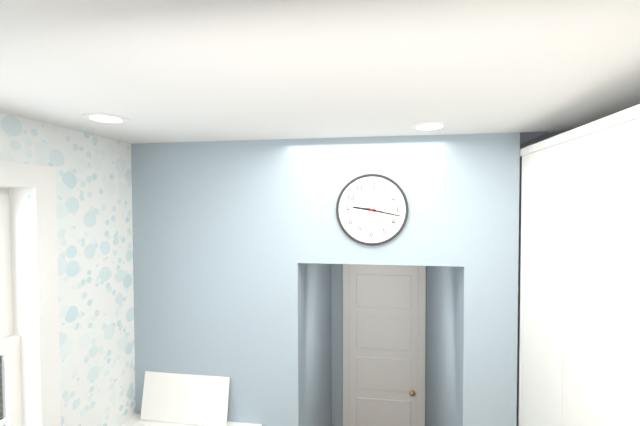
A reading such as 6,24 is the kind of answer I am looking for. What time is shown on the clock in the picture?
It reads 9,17
